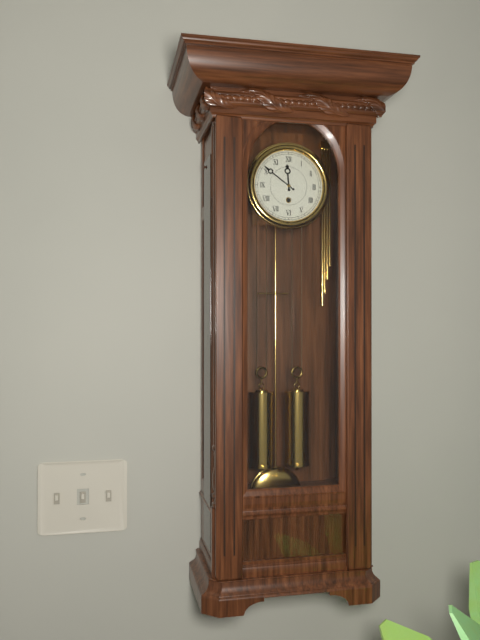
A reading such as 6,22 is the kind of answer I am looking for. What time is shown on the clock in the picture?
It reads 11,51
